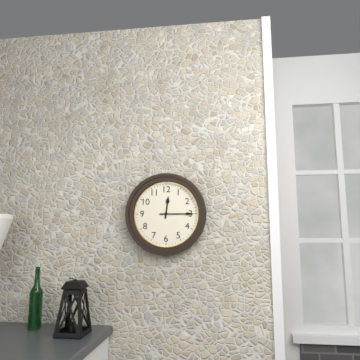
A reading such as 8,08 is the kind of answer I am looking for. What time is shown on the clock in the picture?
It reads 12,15
